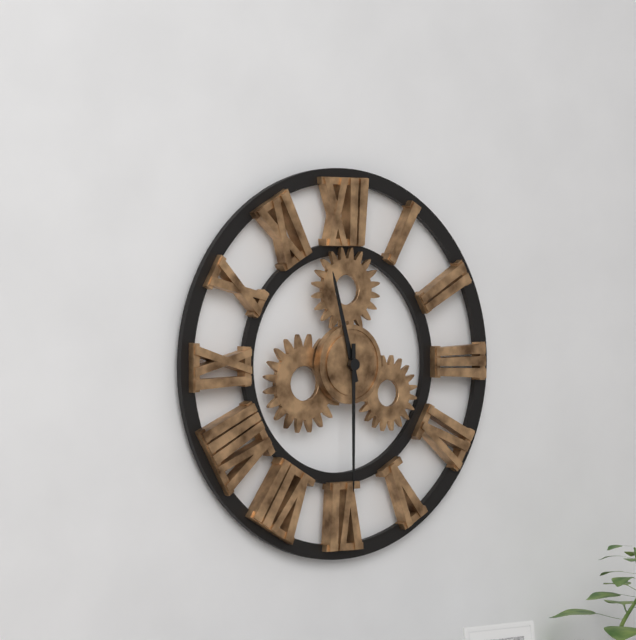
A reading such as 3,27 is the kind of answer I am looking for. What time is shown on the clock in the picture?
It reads 11,30
